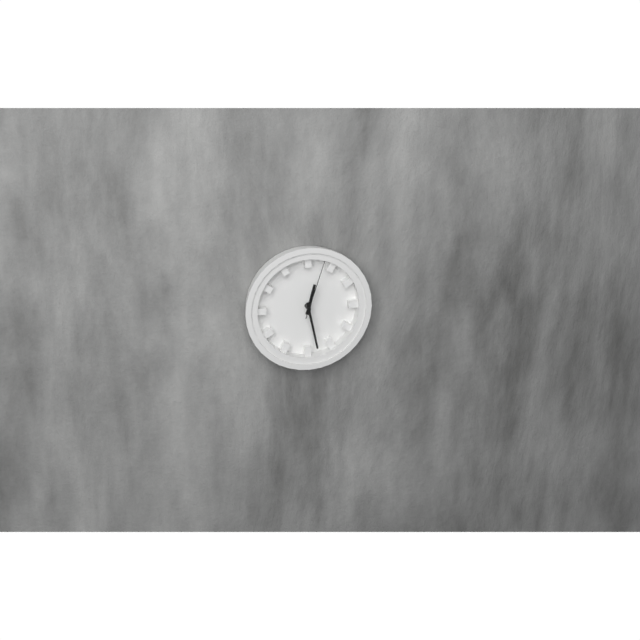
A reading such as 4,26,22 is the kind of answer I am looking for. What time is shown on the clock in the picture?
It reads 12,28,03
